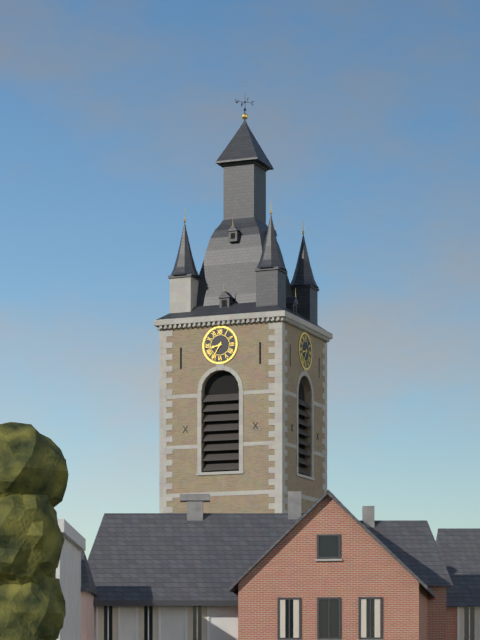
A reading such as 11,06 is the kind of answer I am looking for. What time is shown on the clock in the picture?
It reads 8,35
